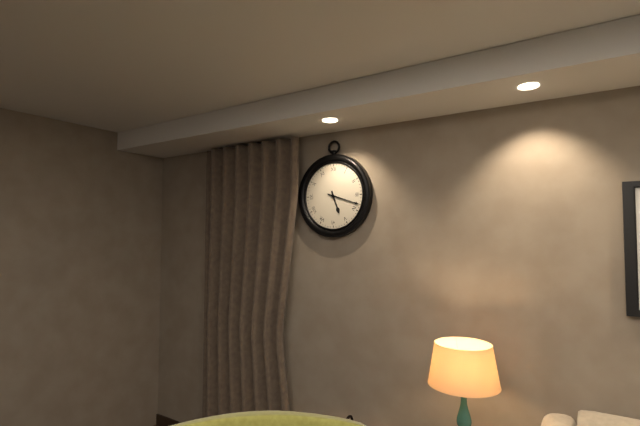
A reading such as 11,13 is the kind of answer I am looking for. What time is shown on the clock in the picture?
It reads 5,18
